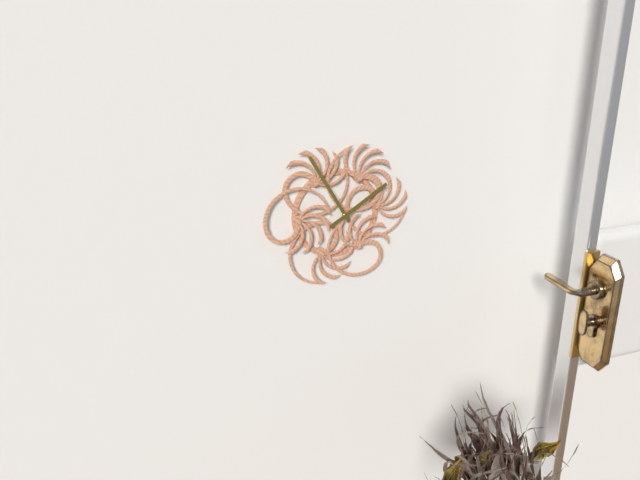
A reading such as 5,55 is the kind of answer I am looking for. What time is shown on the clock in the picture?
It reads 1,55
